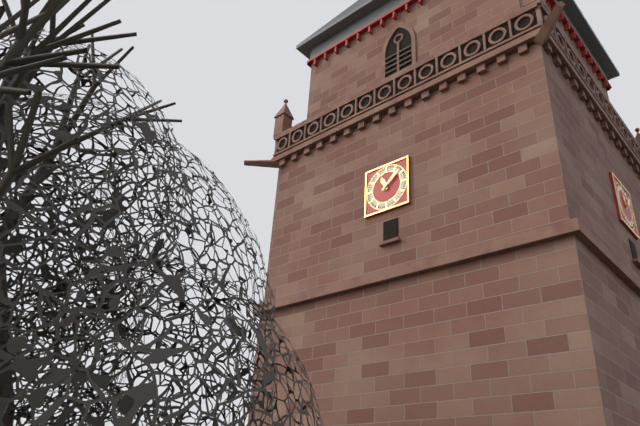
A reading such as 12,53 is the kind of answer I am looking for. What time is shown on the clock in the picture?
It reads 11,08
